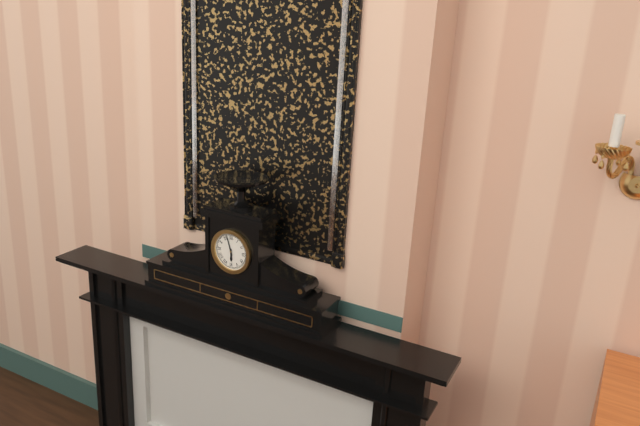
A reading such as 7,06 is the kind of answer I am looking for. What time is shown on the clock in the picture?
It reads 5,57
